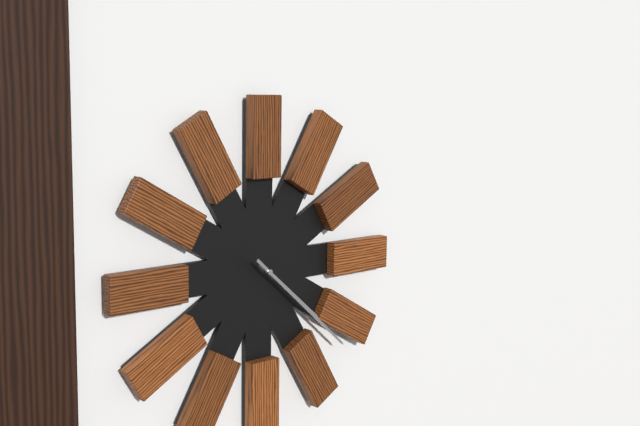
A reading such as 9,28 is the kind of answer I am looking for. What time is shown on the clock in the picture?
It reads 4,22
